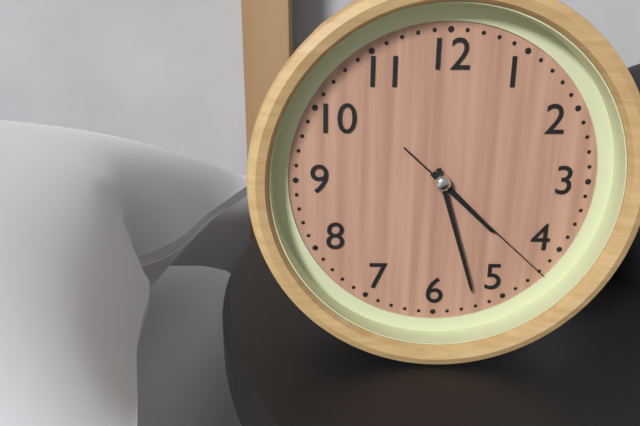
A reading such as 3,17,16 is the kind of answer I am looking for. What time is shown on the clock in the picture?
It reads 4,27,22
